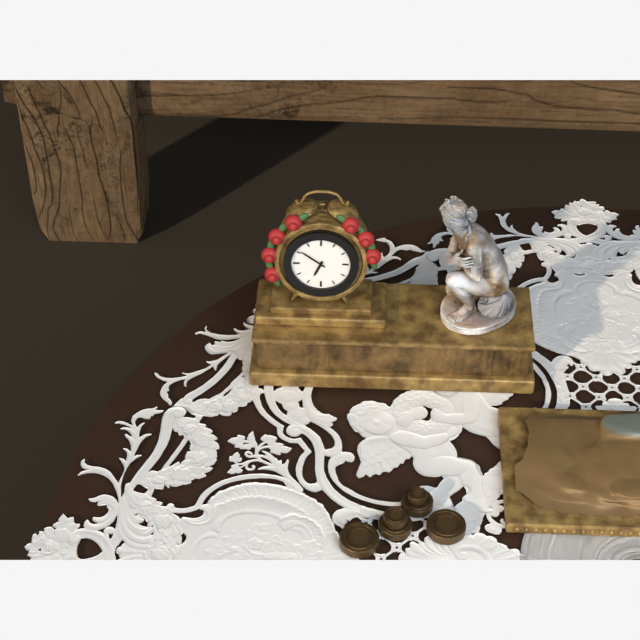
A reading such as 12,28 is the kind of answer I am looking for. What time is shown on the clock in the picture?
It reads 6,51
